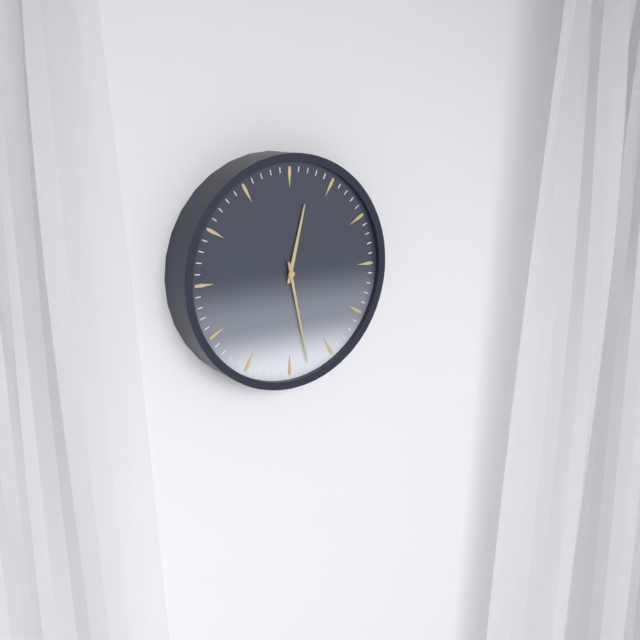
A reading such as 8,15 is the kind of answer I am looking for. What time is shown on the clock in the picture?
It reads 12,28
